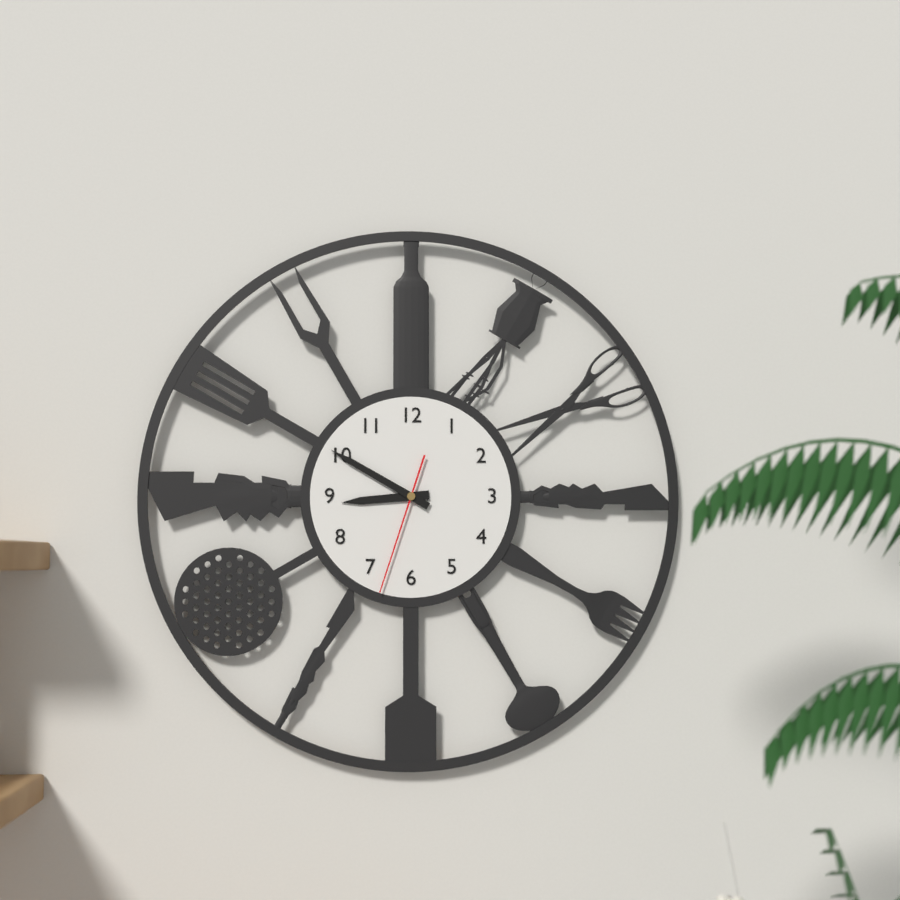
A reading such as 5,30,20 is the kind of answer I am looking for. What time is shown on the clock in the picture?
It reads 8,50,33
